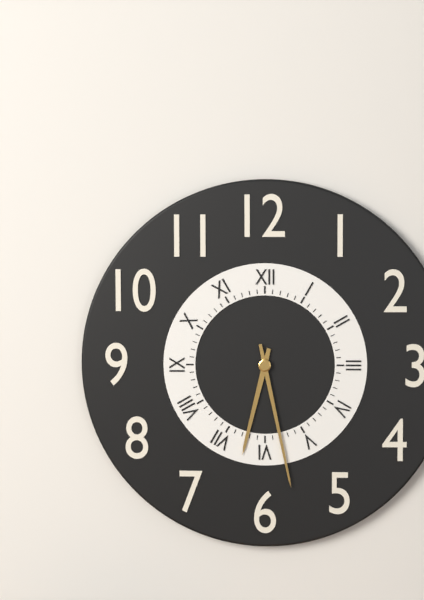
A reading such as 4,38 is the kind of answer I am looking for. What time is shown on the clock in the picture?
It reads 6,28
